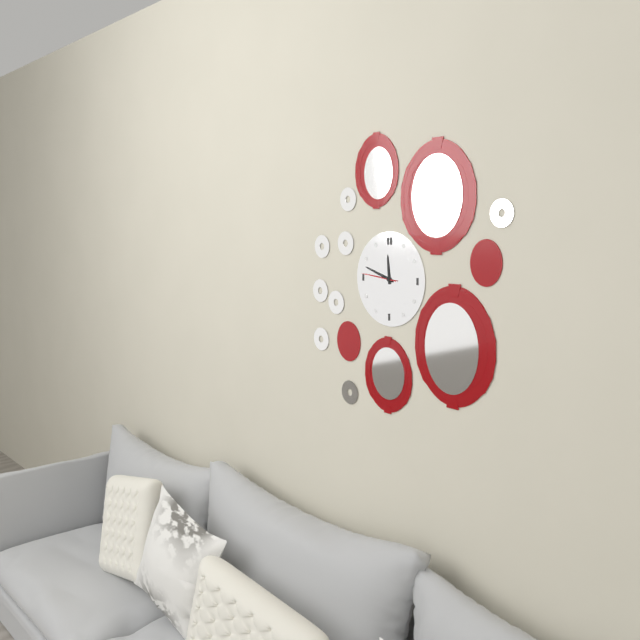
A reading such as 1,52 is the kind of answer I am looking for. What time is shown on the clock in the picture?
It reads 11,48
